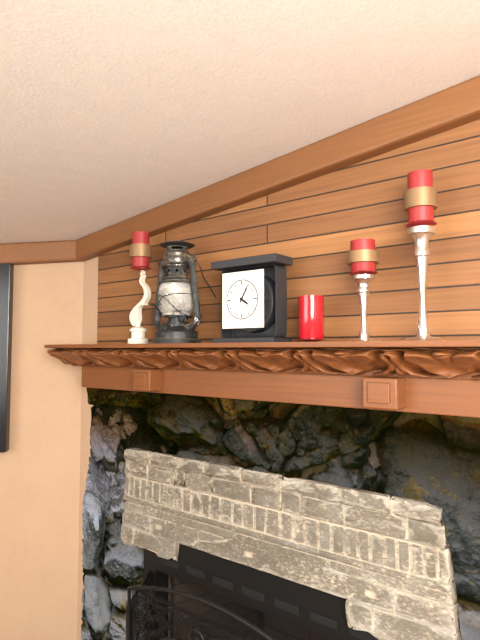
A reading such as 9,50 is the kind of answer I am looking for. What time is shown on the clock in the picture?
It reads 4,05
